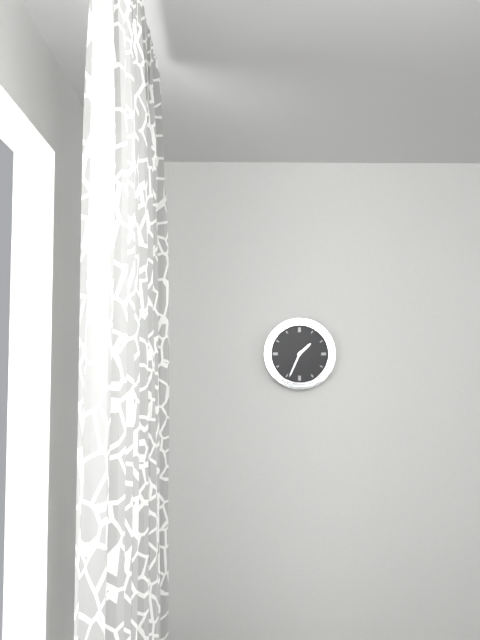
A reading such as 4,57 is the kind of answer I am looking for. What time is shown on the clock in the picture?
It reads 1,34
